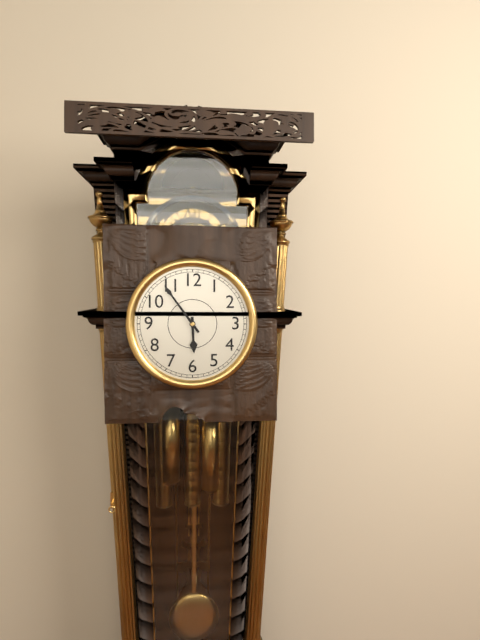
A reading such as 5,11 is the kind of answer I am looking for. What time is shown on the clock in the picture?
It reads 5,54
